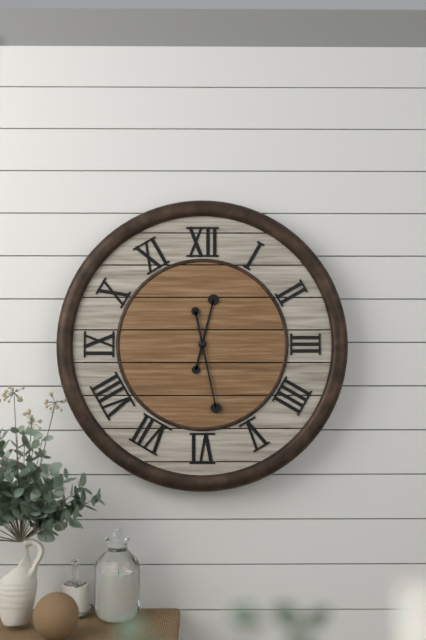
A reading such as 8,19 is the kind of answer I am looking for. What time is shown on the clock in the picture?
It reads 12,28
